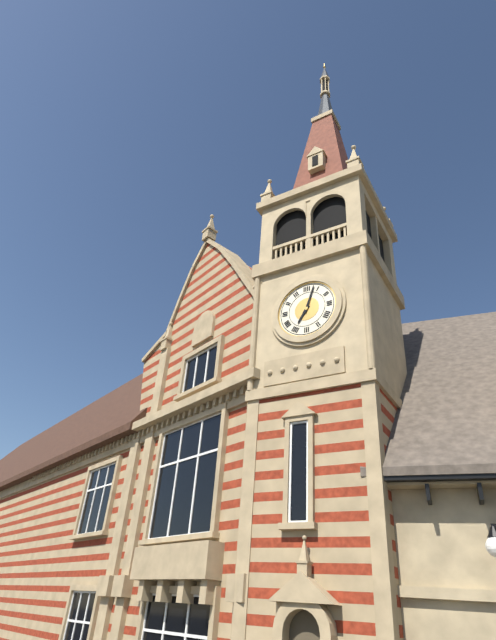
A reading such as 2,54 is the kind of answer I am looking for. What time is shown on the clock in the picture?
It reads 7,03
